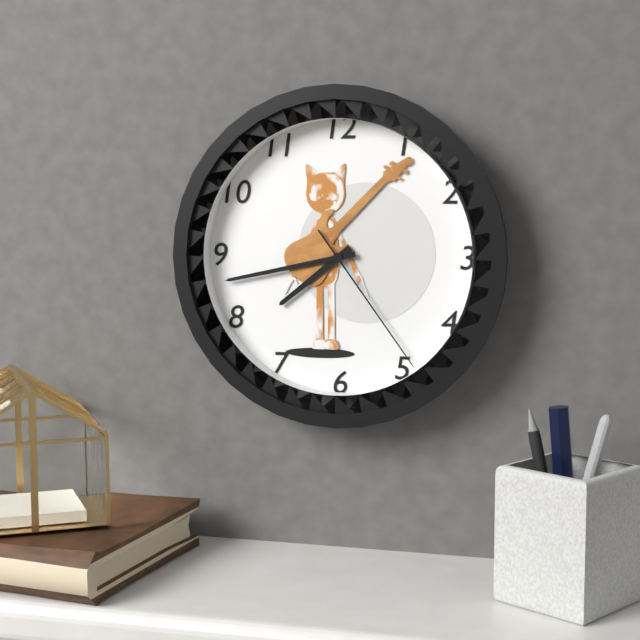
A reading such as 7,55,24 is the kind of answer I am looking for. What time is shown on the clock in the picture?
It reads 7,43,24
